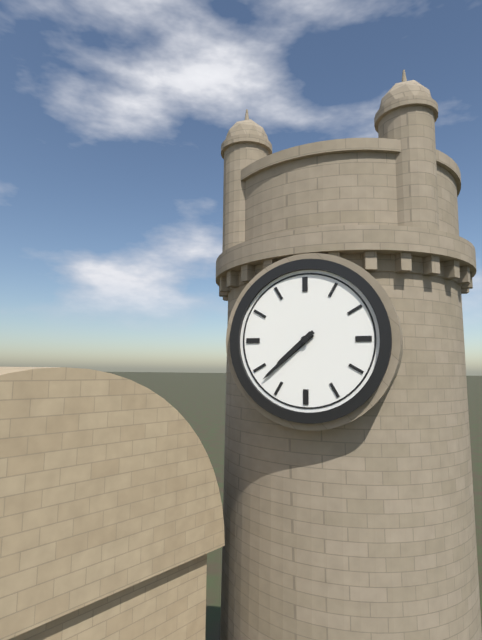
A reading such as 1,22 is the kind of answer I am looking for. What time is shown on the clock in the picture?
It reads 7,38
